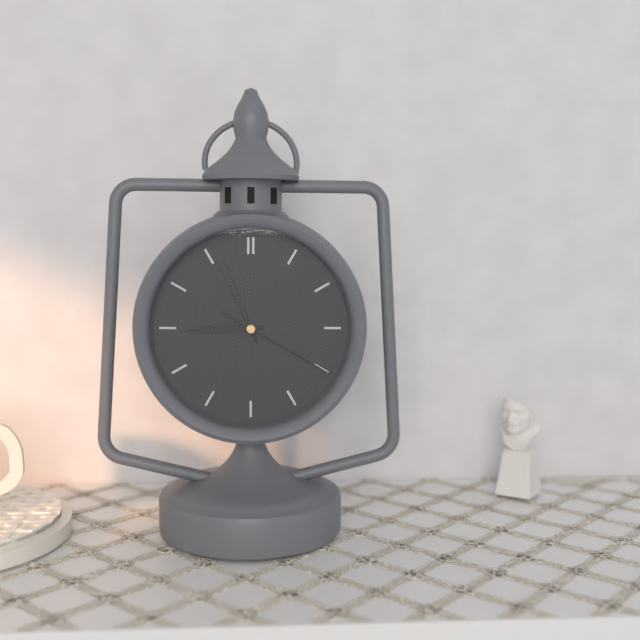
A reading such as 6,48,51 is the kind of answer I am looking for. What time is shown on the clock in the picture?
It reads 8,56,20
